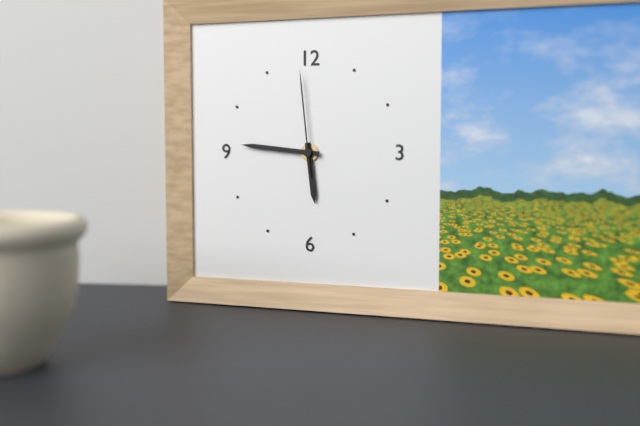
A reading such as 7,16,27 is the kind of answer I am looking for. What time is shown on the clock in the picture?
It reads 5,46,59
